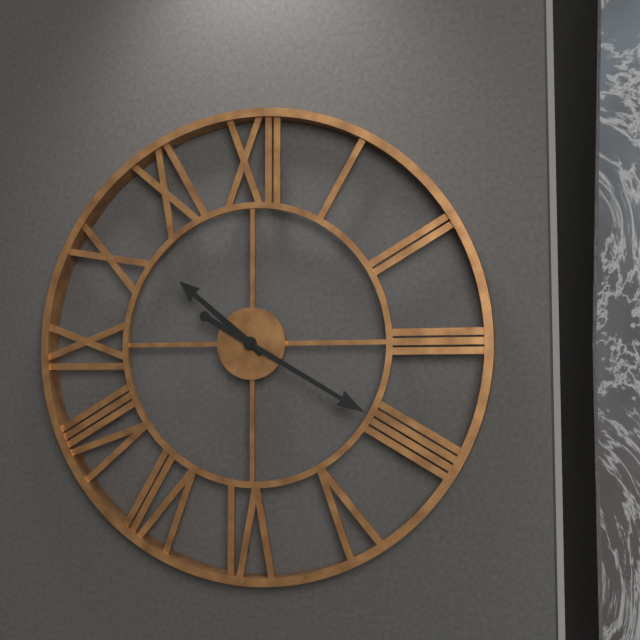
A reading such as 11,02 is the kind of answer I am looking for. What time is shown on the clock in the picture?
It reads 10,20
